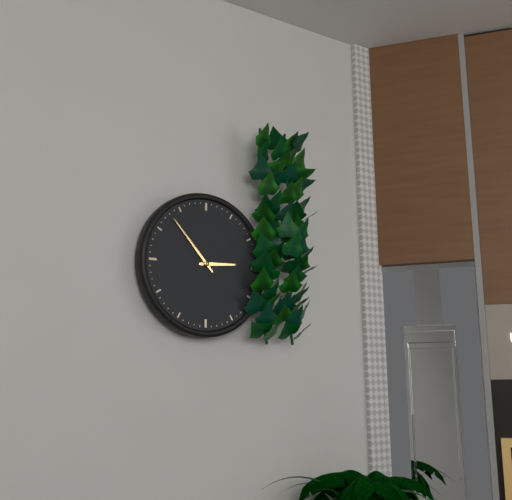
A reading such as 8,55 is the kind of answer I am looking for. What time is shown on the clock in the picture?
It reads 2,53
